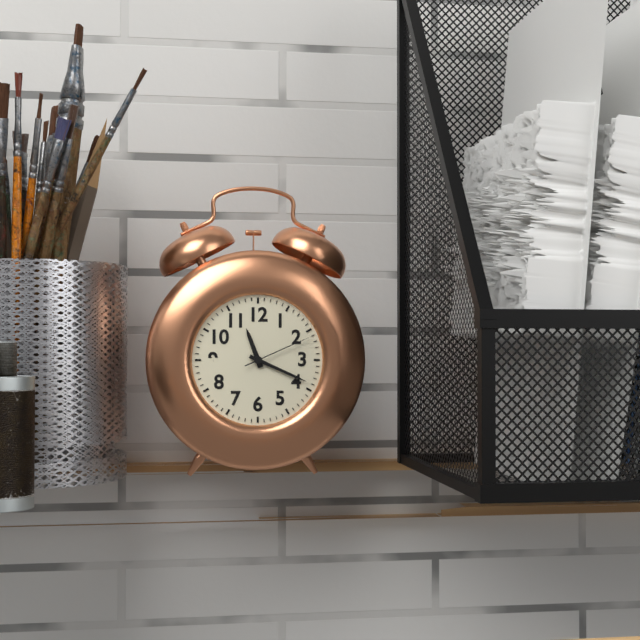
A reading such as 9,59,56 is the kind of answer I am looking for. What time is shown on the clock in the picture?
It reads 11,19,11
